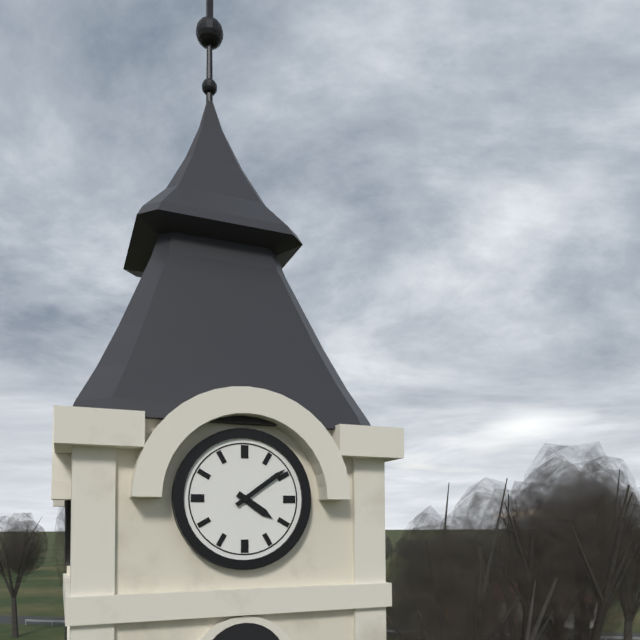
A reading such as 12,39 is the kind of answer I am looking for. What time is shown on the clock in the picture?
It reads 4,09
